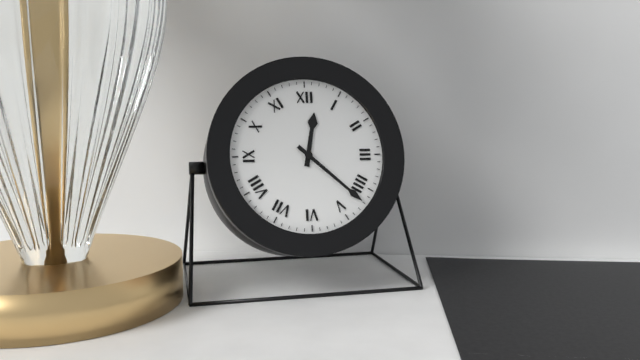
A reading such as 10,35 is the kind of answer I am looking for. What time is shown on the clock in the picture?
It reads 12,22
